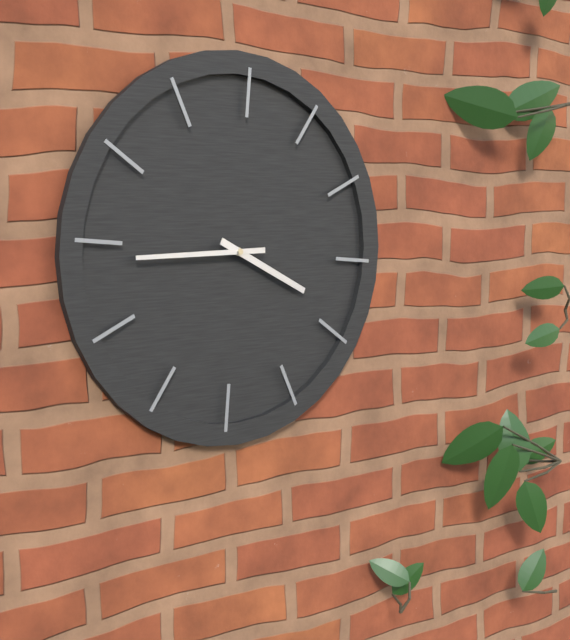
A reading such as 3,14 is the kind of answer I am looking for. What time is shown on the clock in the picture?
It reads 3,44
